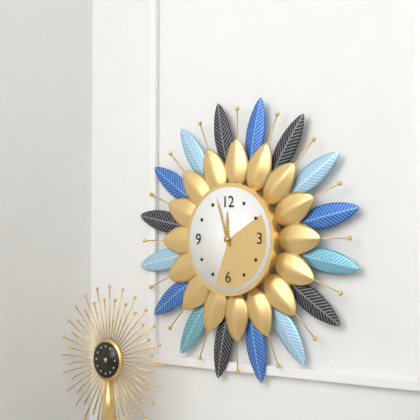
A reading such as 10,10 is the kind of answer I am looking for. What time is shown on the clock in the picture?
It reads 11,57
